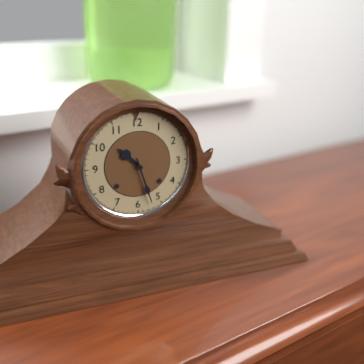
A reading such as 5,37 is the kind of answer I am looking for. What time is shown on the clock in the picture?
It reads 10,27
